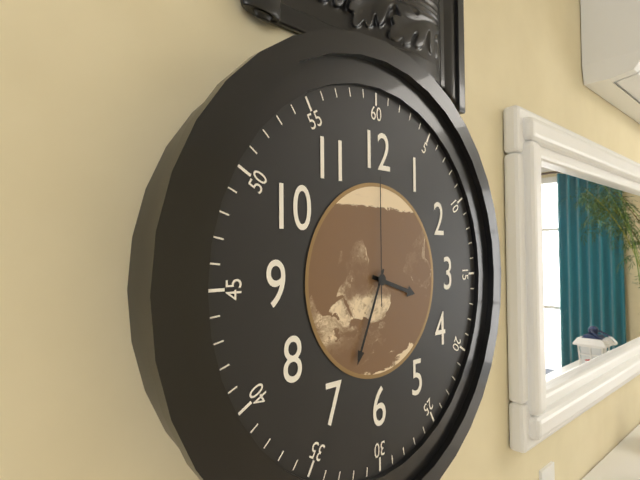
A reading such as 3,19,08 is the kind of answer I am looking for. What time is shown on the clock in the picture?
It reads 3,34,00
